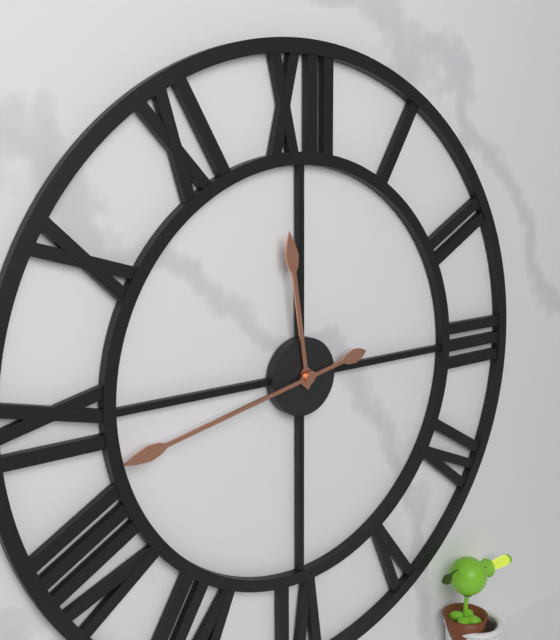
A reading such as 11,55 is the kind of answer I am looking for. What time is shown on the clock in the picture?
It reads 11,43
